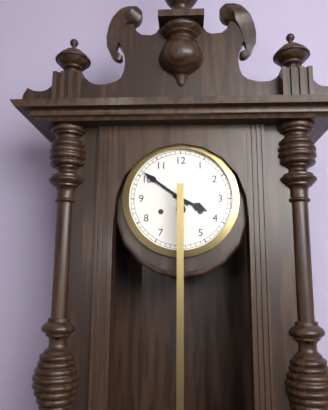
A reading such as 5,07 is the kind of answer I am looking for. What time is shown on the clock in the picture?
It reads 3,51
